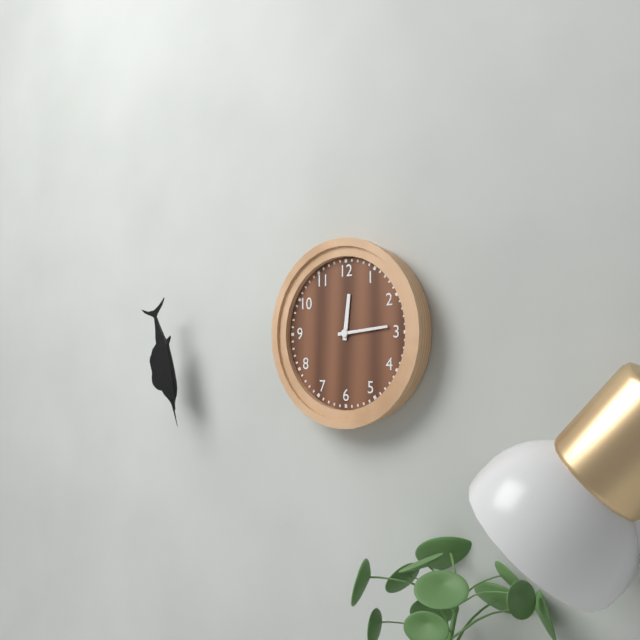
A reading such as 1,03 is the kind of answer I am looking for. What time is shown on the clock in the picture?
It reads 12,14
